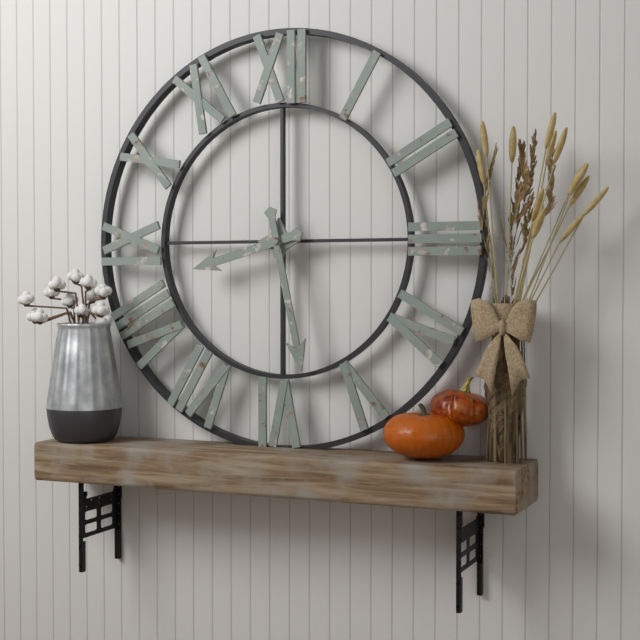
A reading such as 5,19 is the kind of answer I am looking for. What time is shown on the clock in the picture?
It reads 8,28
